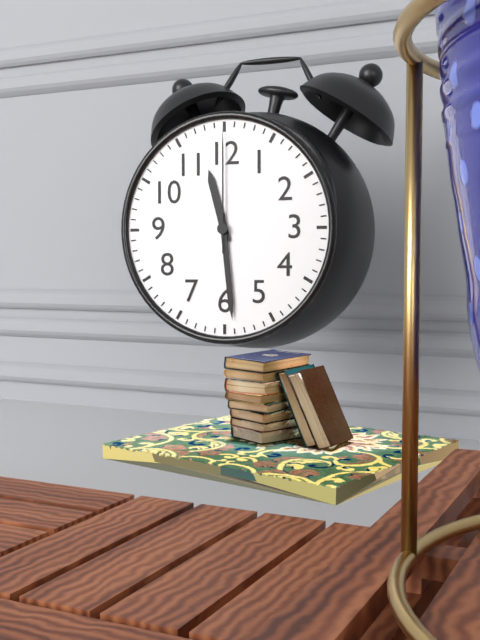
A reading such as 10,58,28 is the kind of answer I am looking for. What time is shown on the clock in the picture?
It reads 11,29,00
